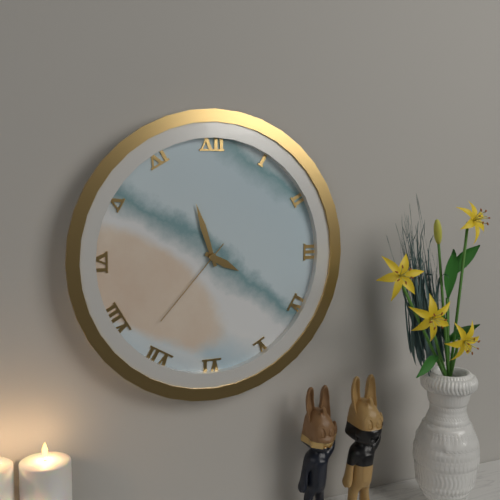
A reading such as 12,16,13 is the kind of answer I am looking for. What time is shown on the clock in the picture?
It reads 3,57,37
